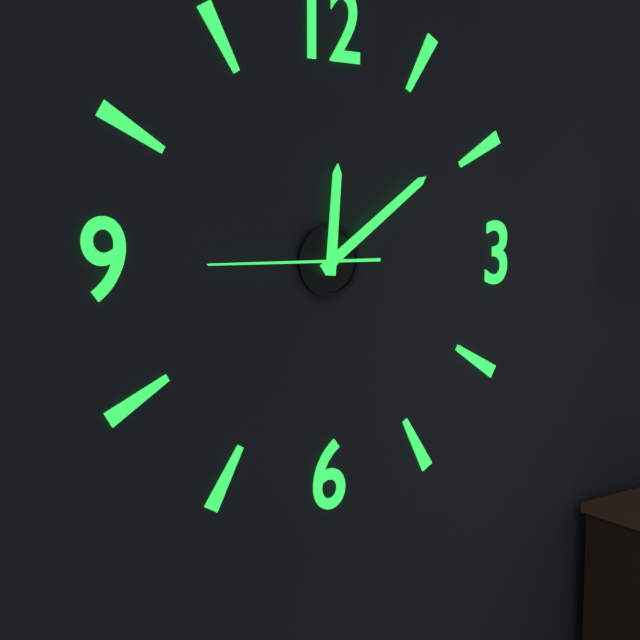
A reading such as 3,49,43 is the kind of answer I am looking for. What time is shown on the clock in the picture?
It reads 12,09,45
